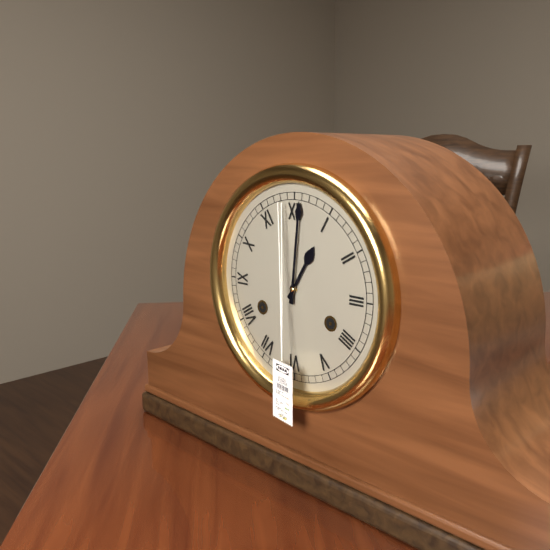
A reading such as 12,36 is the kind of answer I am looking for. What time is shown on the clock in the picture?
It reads 1,01
